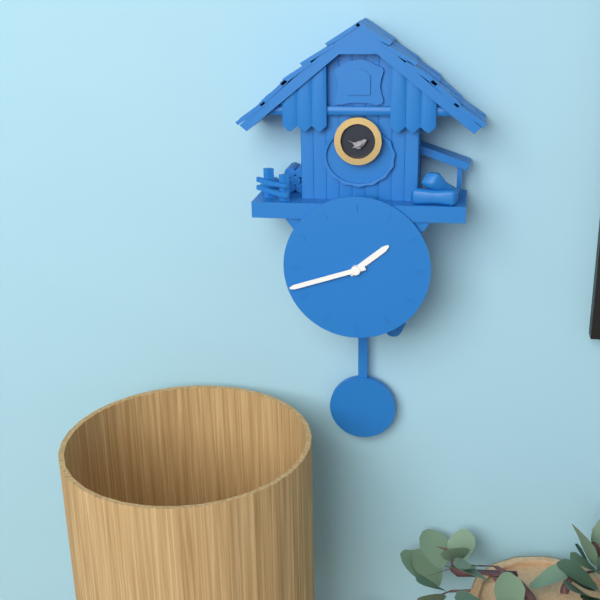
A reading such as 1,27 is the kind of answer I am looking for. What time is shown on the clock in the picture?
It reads 1,42
